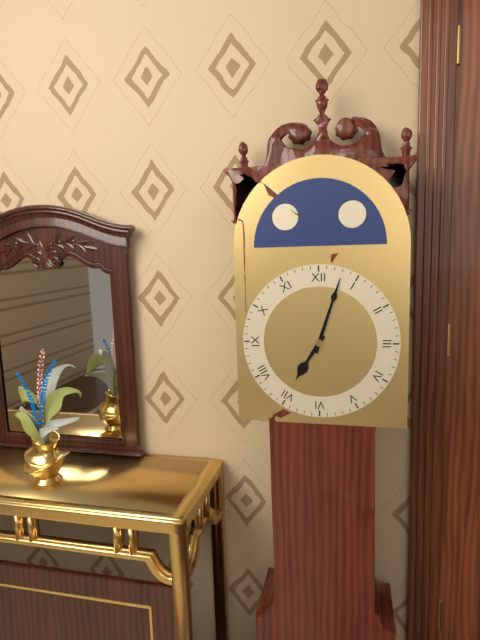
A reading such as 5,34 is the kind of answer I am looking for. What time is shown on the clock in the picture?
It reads 7,03
